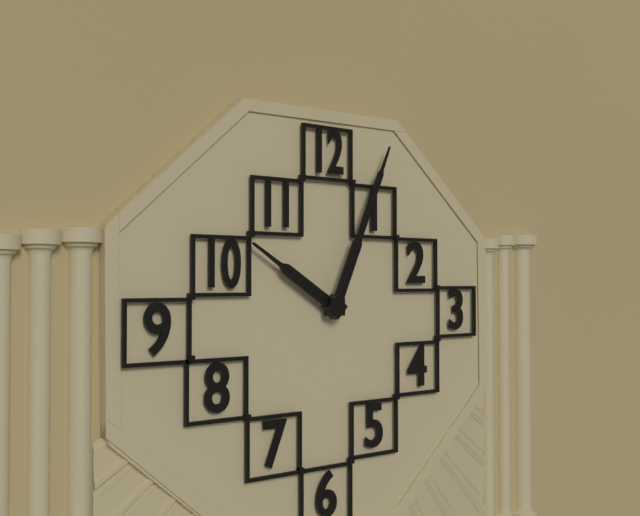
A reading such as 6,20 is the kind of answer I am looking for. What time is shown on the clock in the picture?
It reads 10,04
